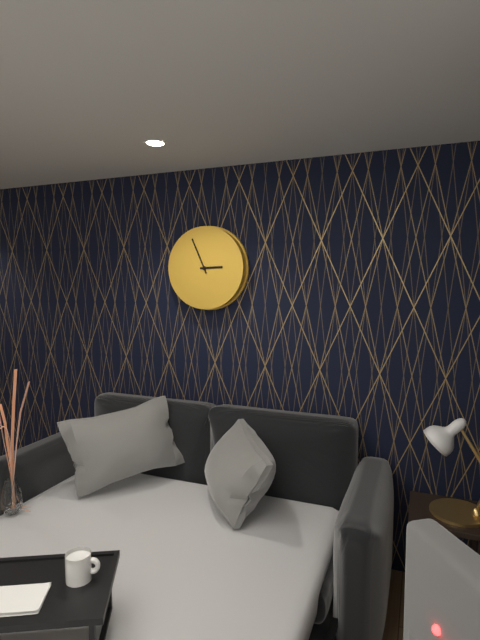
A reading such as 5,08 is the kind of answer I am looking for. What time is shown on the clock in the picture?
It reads 2,56
